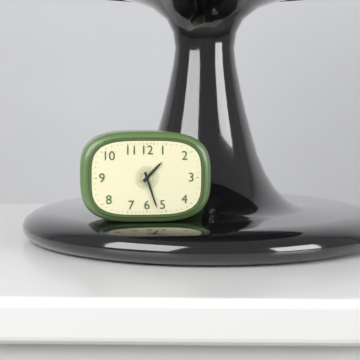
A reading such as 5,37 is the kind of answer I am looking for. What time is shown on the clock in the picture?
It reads 1,27
